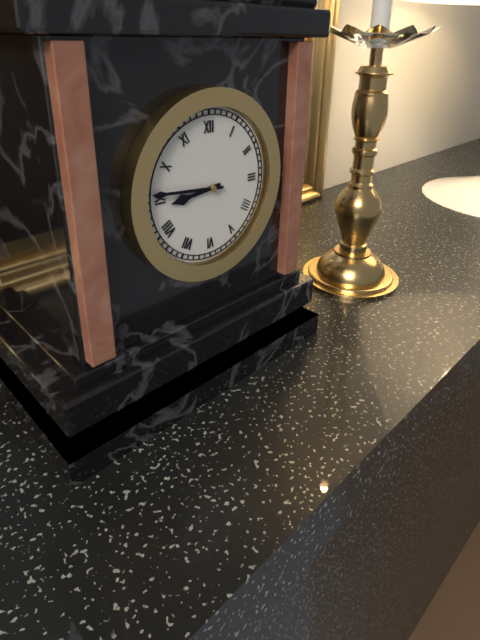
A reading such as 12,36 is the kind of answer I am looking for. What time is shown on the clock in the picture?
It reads 8,46
